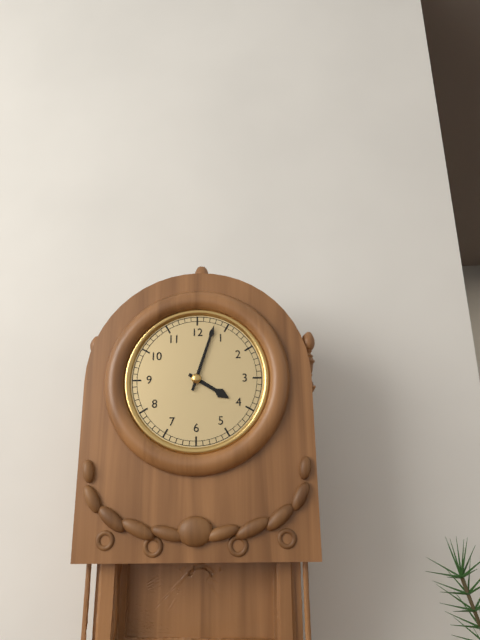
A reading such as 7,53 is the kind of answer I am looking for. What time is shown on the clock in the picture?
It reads 4,03
